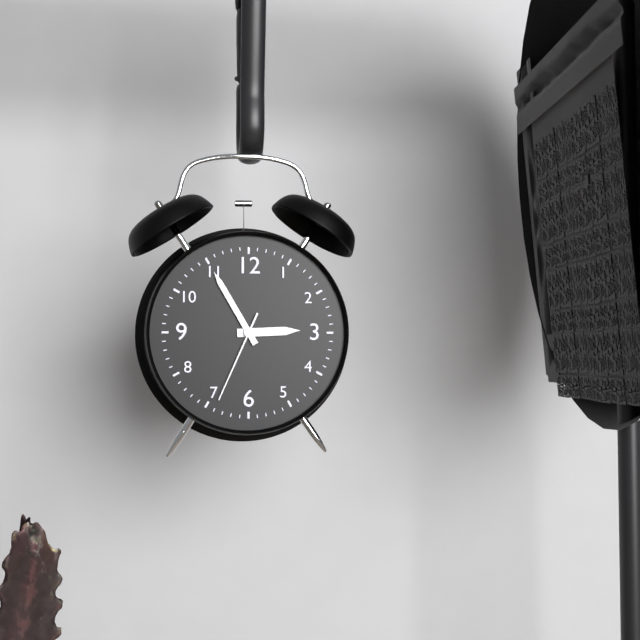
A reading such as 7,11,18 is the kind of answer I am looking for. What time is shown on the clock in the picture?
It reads 2,55,34
